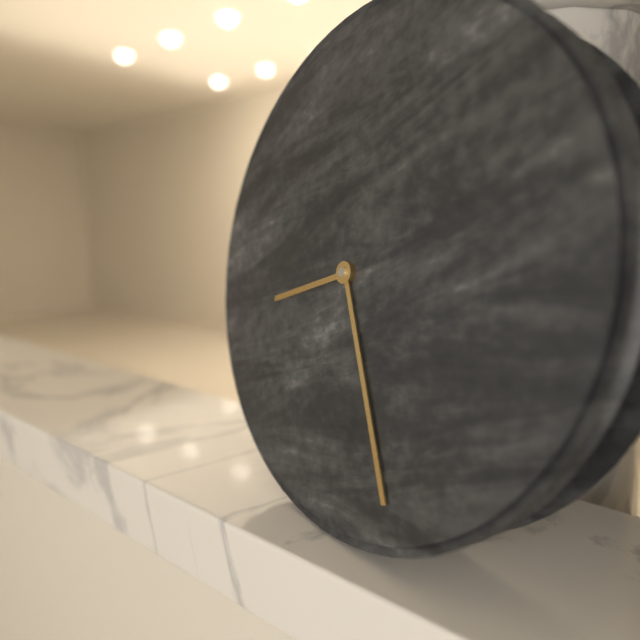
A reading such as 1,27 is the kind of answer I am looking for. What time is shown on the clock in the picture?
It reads 8,26
